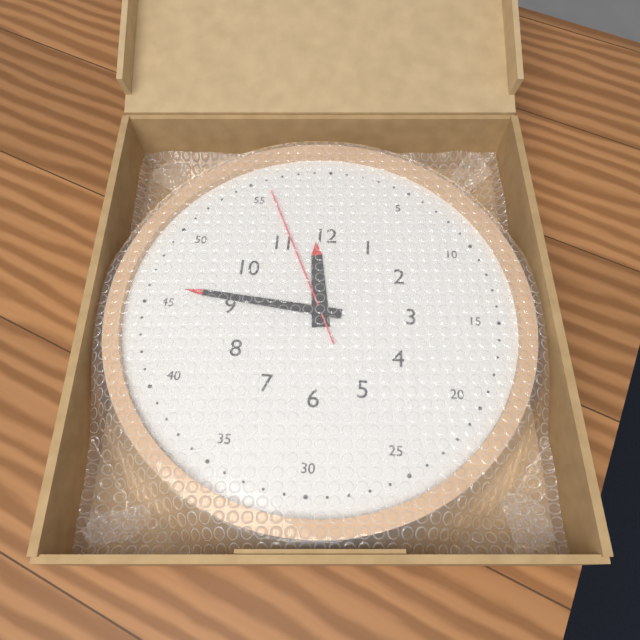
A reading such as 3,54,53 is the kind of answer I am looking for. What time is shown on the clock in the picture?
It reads 11,46,56
